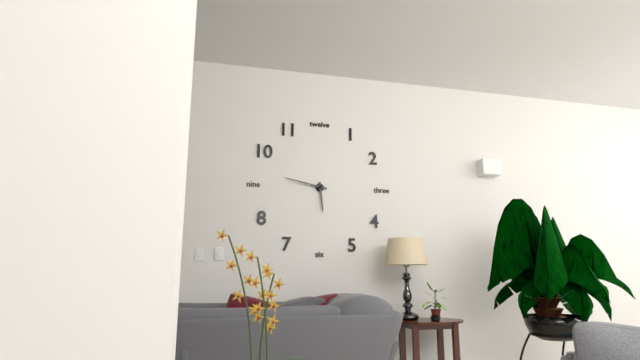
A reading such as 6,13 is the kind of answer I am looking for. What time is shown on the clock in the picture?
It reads 5,47
